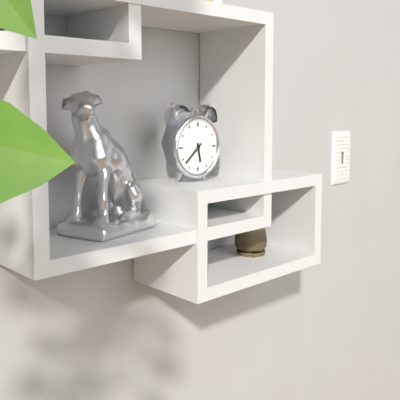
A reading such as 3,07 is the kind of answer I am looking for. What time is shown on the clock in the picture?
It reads 5,38
